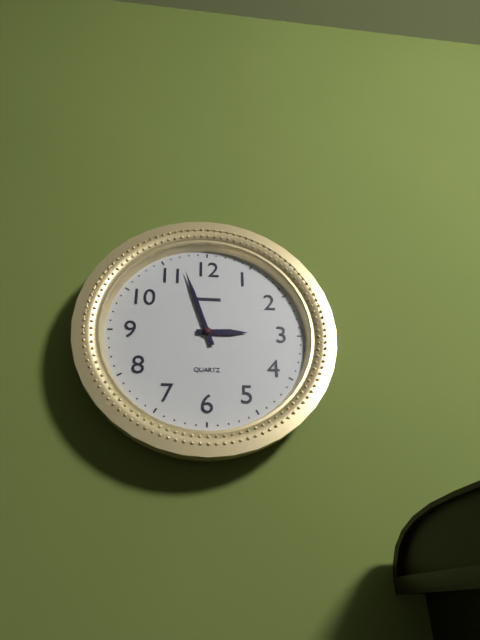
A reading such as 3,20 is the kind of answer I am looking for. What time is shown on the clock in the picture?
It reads 2,57
